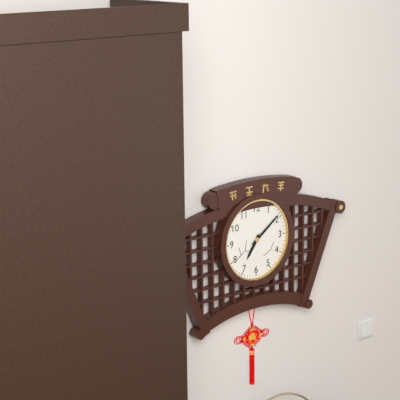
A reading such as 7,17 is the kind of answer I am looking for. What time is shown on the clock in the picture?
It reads 7,09
